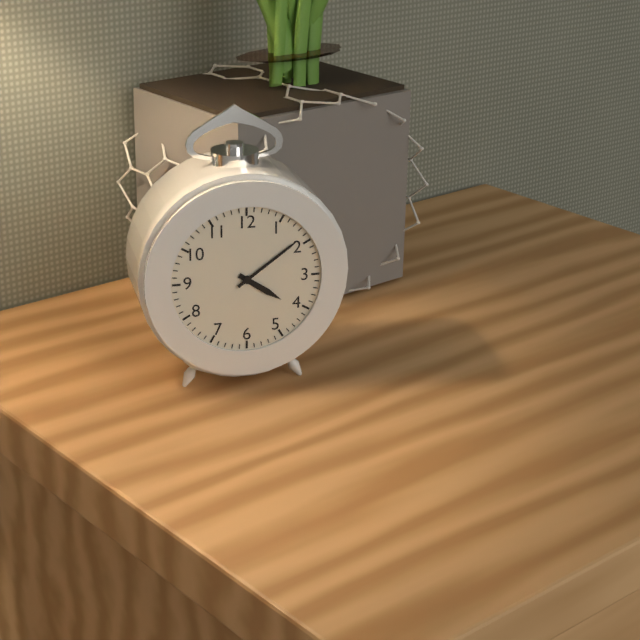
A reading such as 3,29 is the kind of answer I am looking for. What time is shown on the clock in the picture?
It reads 4,09
